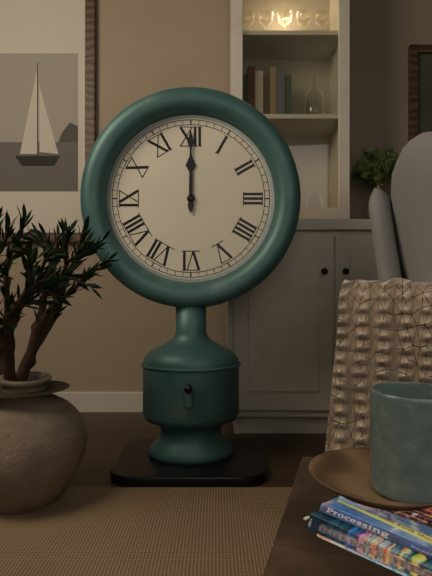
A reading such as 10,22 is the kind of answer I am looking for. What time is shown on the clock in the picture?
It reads 12,00
